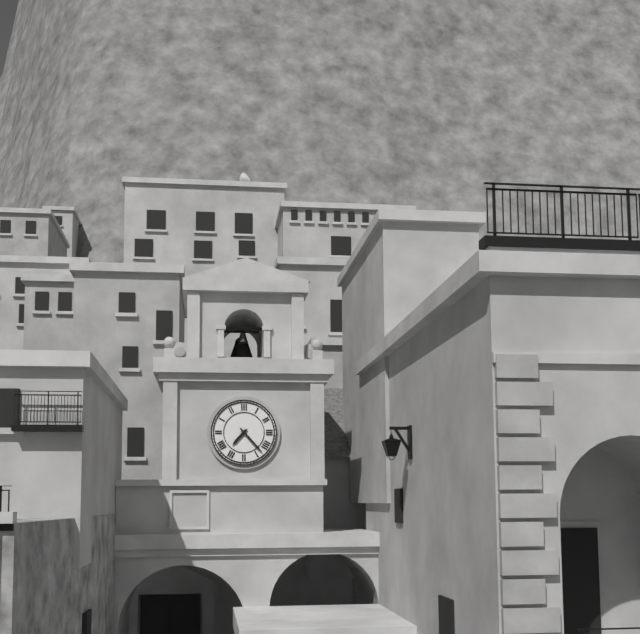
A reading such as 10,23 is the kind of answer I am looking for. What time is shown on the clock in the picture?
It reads 7,23
